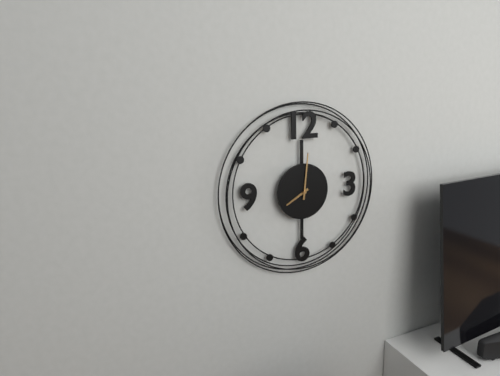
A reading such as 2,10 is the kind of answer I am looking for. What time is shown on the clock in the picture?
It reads 8,01
